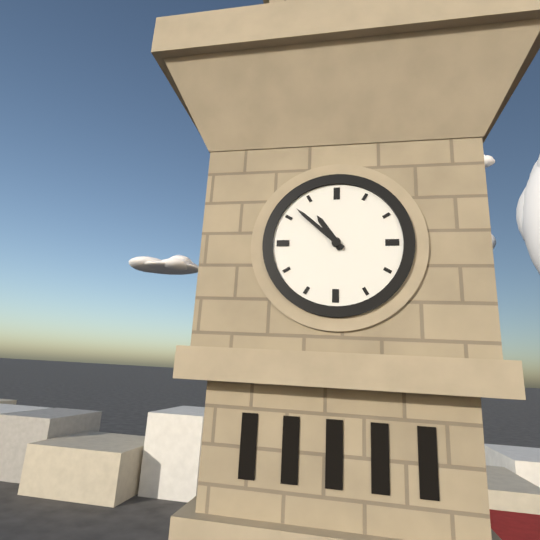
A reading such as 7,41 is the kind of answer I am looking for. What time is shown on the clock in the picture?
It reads 10,52
